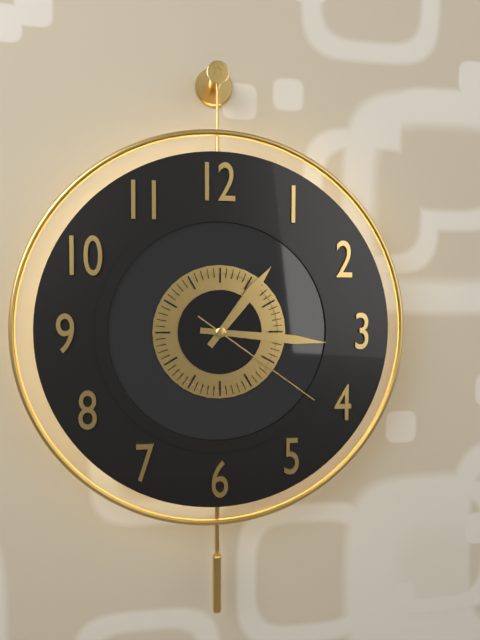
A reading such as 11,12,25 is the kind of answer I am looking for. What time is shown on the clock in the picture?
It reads 1,16,21
